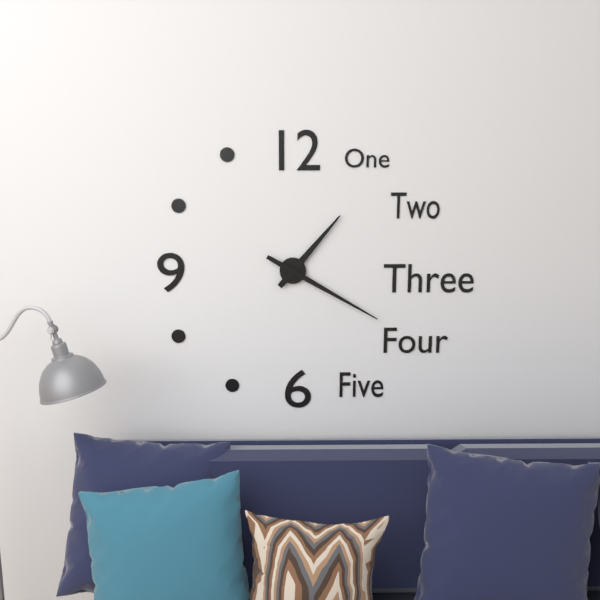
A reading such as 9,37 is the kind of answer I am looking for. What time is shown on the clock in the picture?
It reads 1,20
